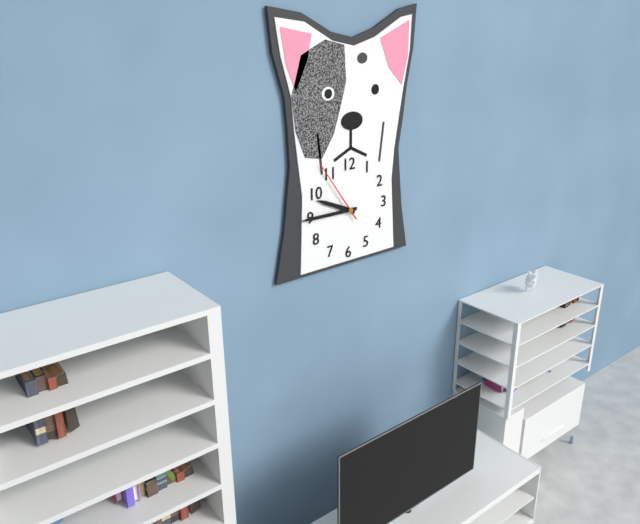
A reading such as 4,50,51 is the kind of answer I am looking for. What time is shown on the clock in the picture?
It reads 9,45,54
